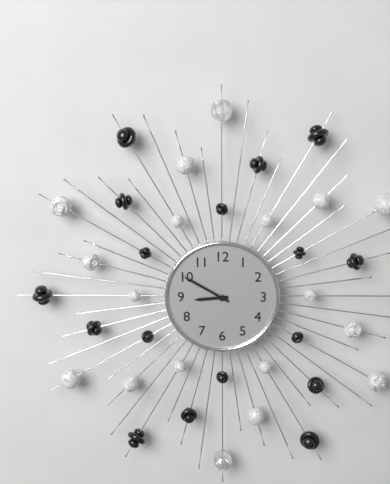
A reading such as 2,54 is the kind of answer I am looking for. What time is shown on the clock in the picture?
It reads 8,50
